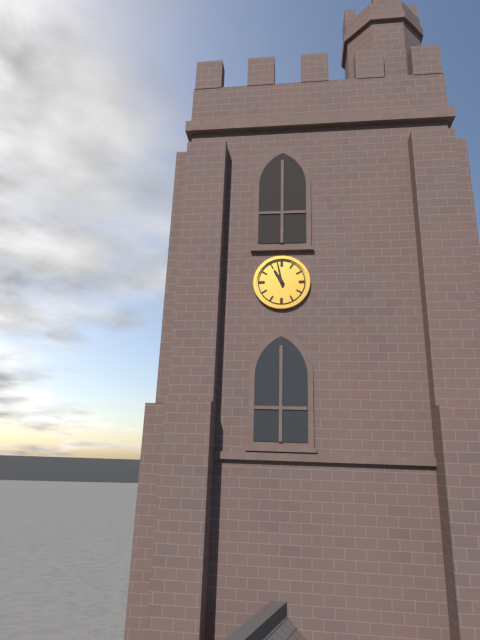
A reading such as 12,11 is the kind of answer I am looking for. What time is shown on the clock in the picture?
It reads 10,58
